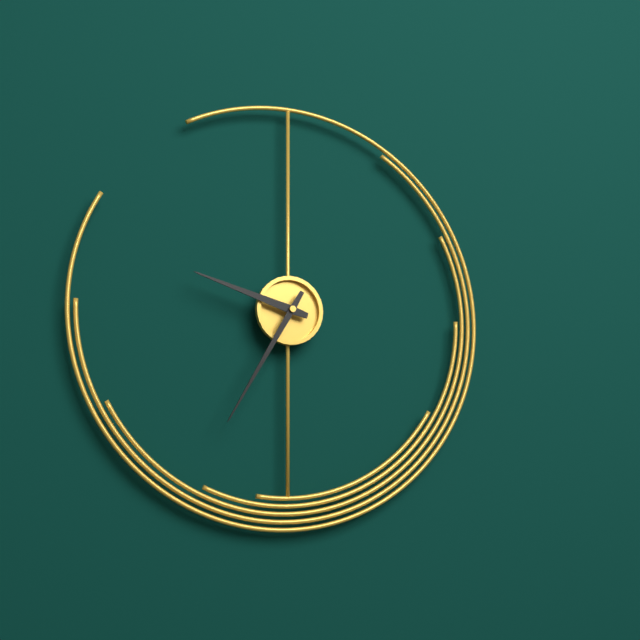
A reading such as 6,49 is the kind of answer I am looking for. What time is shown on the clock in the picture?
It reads 9,35
